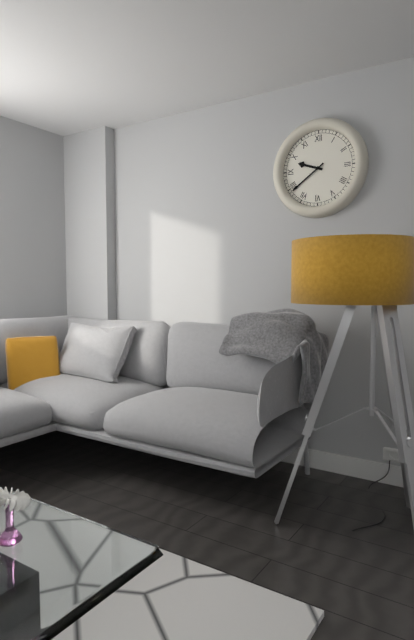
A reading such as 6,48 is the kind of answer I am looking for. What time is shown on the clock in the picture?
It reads 9,39
